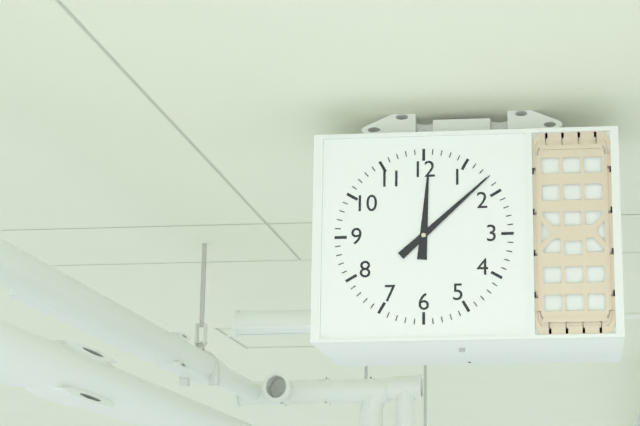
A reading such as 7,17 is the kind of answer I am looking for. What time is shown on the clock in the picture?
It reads 12,08
